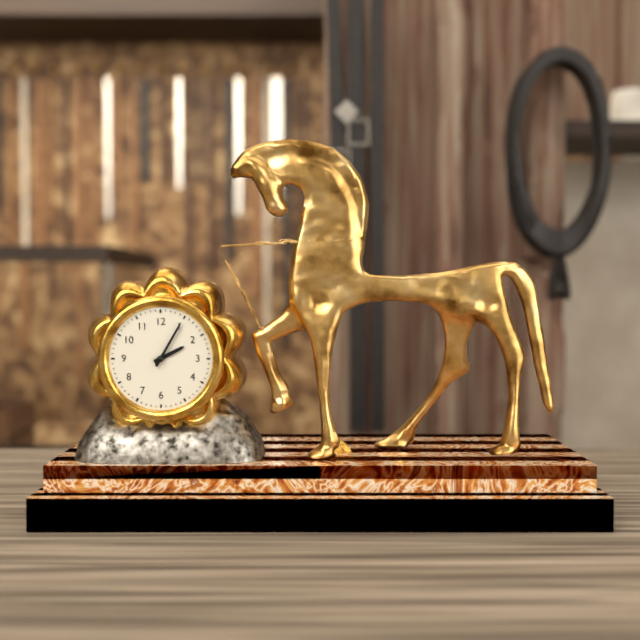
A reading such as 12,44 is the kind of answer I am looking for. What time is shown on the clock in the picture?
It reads 2,05
